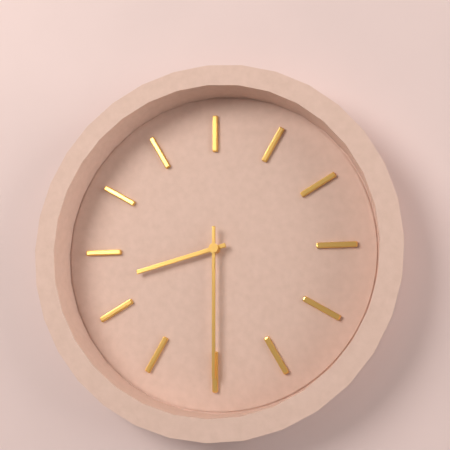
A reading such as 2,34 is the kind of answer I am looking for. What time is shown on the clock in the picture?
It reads 8,30
